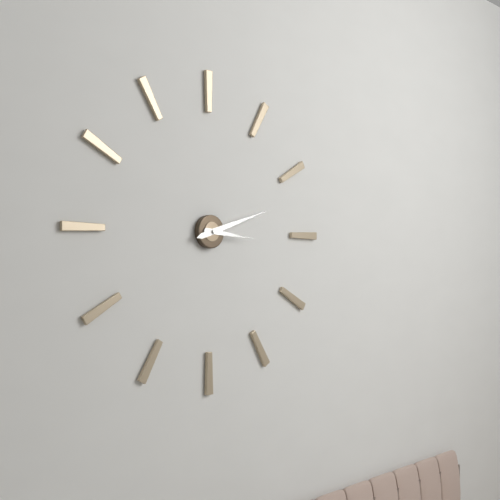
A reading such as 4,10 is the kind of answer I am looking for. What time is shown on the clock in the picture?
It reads 3,12
